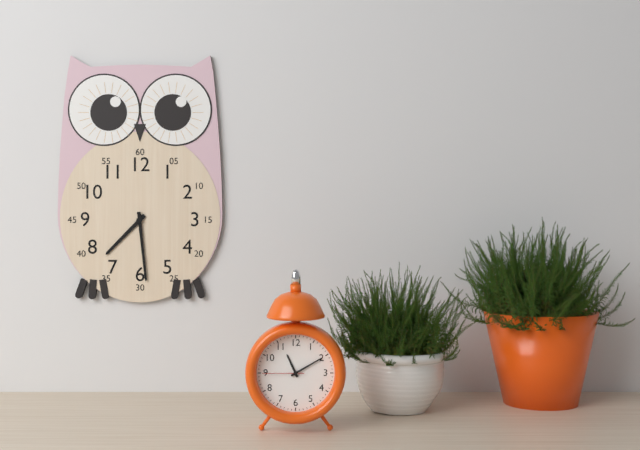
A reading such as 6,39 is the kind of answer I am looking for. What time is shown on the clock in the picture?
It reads 7,29
